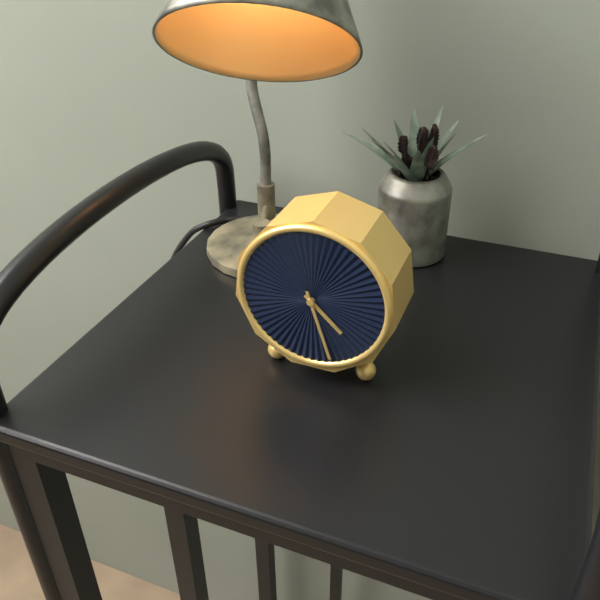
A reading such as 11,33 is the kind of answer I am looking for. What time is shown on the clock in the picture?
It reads 4,27
